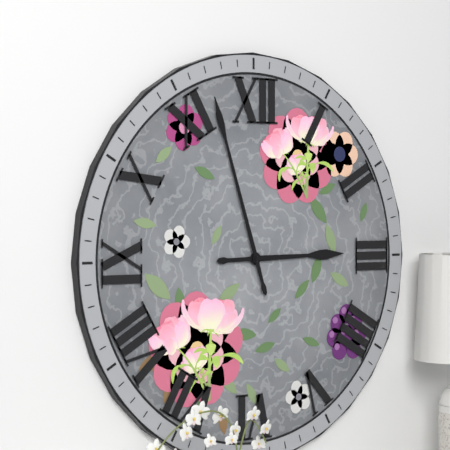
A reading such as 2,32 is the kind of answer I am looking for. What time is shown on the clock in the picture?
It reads 2,57
